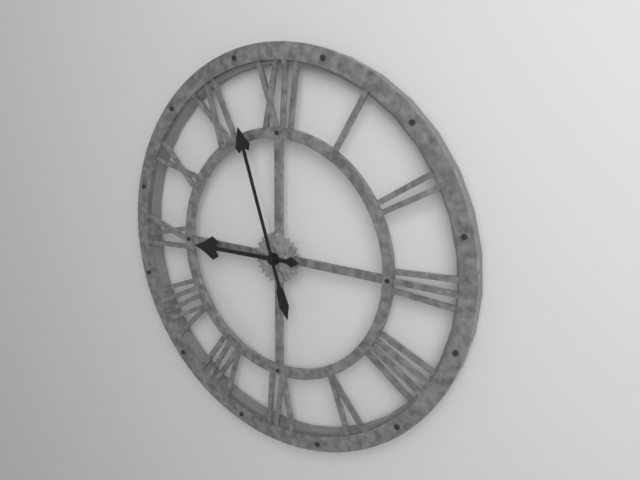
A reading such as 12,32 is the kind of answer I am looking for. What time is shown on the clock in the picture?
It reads 8,57
